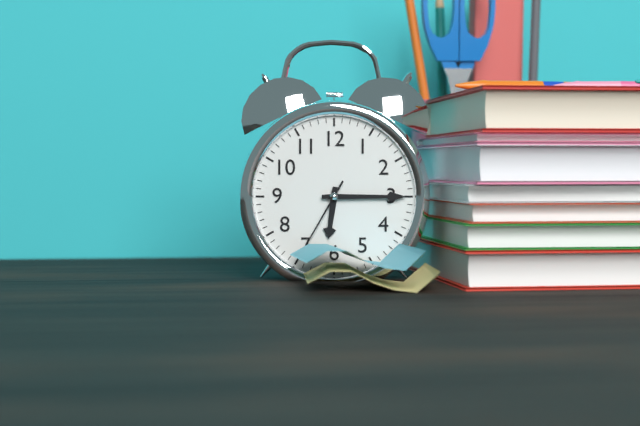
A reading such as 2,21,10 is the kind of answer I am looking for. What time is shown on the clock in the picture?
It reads 6,15,35
